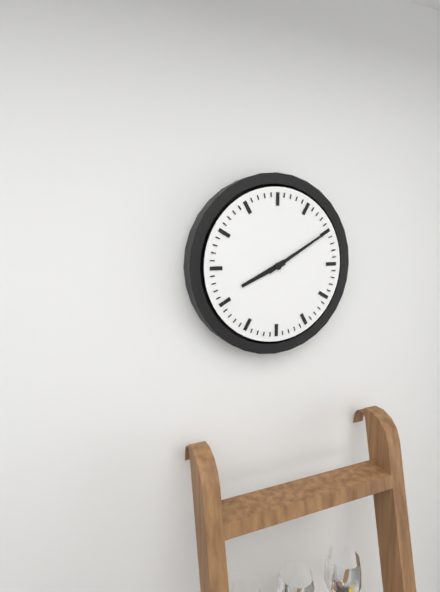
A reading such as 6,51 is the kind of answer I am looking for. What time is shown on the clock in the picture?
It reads 8,10
